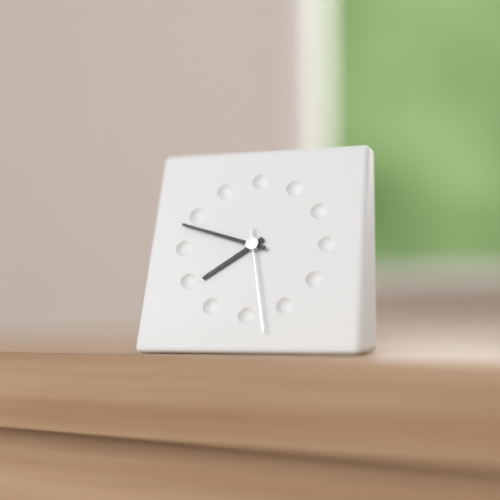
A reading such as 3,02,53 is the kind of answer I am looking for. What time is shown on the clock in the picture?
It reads 7,48,28
